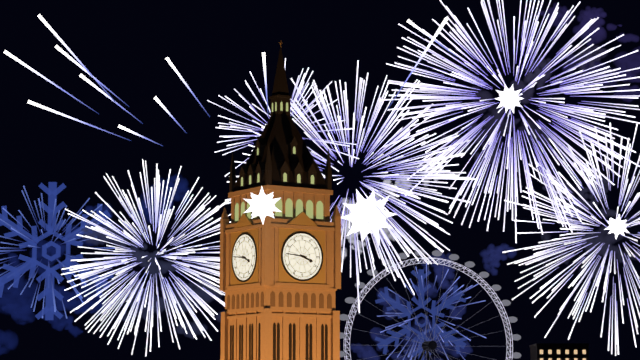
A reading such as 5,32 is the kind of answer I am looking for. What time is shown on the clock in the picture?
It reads 3,46
